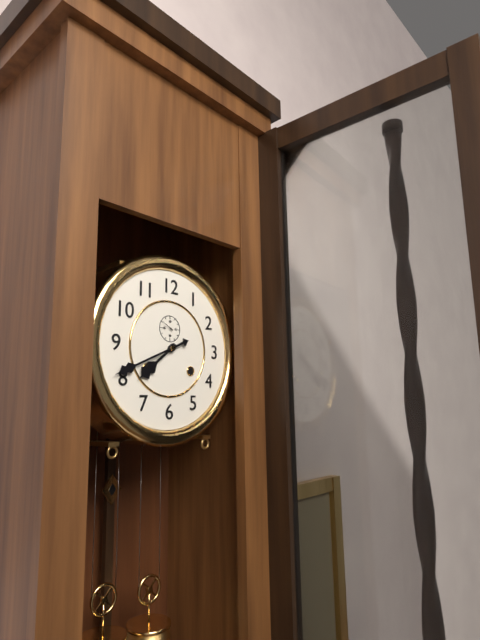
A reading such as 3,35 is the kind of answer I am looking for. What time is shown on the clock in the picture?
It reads 7,41
